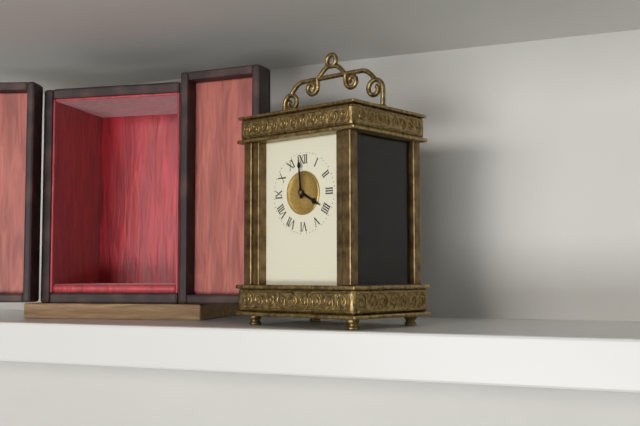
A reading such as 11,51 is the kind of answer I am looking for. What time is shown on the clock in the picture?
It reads 3,59
